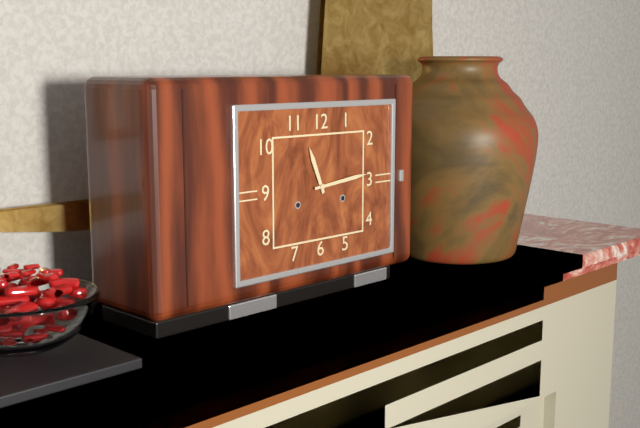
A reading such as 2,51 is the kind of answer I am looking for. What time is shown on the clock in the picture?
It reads 11,14
